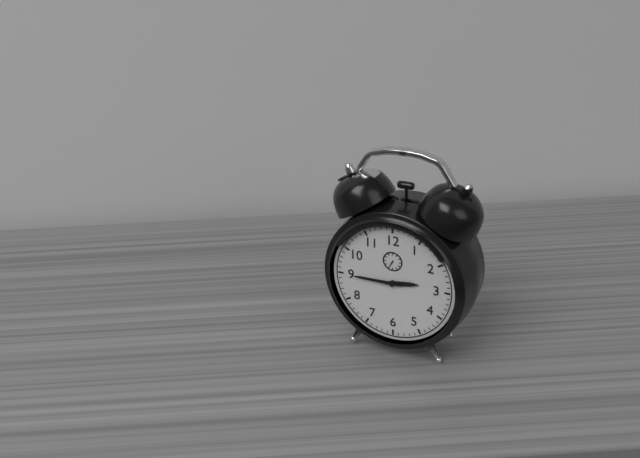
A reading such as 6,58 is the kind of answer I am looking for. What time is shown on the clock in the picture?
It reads 2,45
